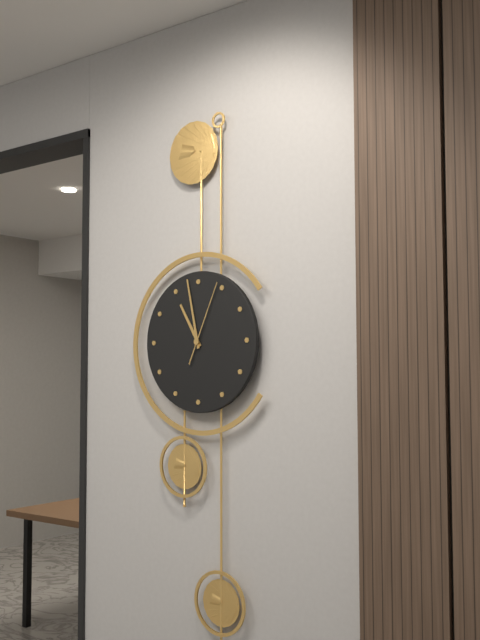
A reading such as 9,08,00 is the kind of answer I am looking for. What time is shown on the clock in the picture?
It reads 10,58,04
